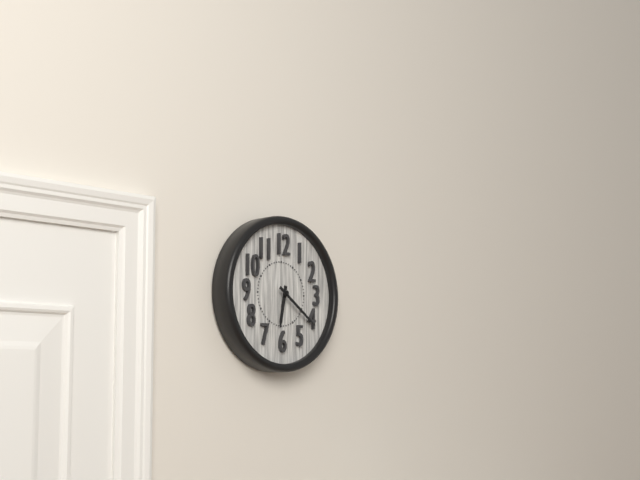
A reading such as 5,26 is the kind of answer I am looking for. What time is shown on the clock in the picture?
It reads 6,21
